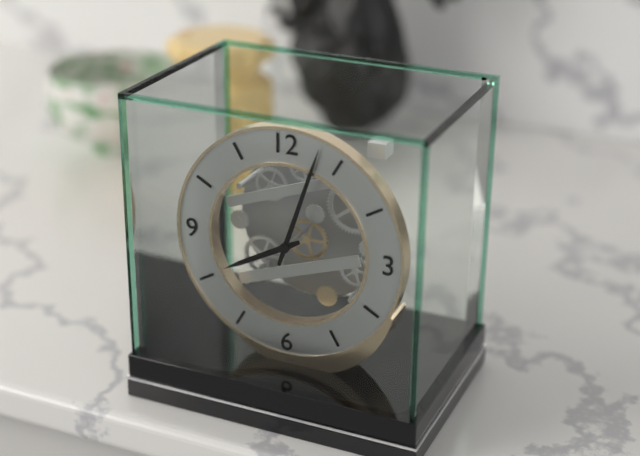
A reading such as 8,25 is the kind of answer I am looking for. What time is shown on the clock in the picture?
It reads 8,03
